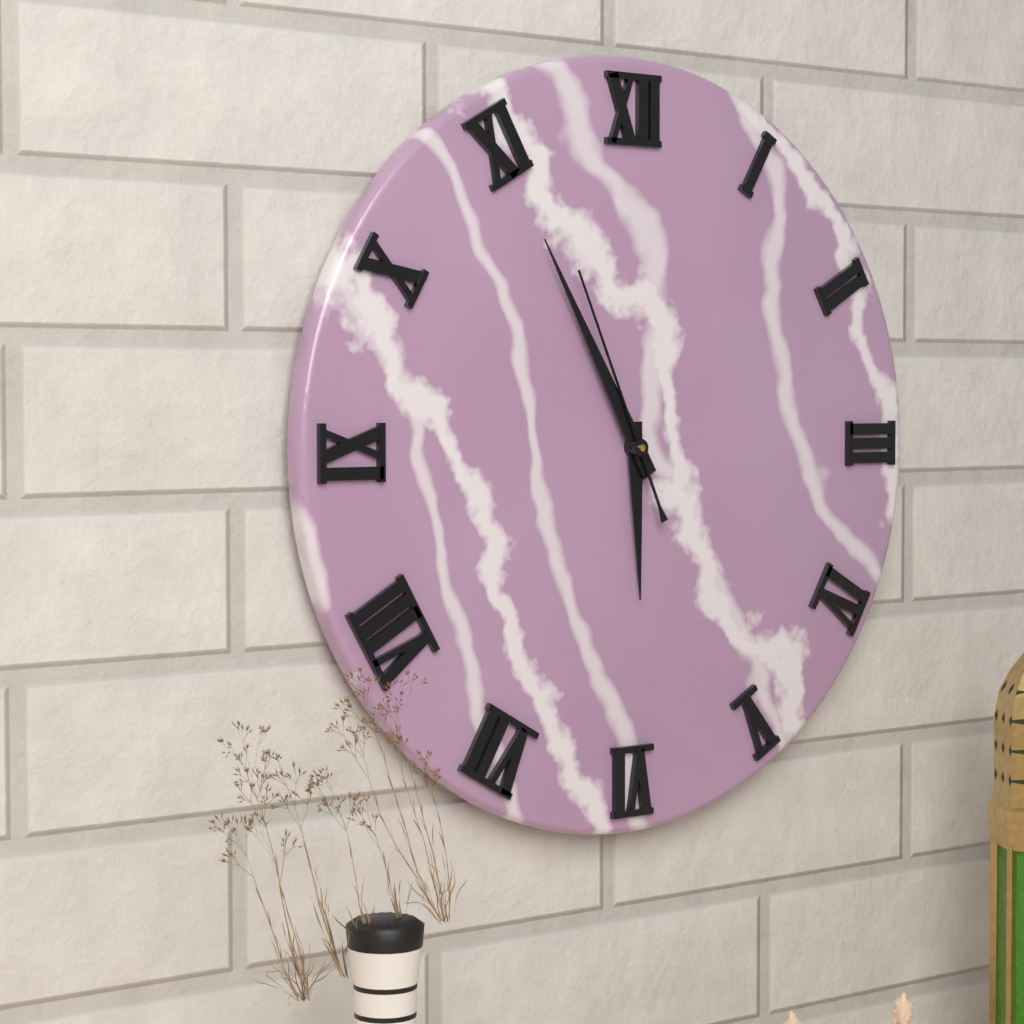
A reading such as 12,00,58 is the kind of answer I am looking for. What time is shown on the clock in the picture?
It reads 5,55,56
